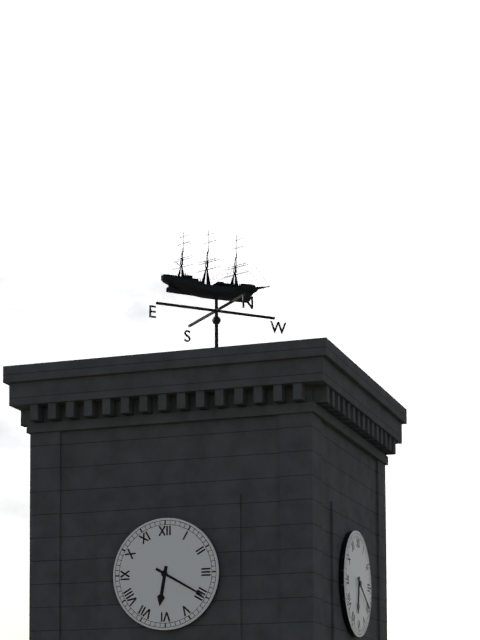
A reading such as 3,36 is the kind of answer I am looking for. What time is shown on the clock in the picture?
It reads 6,20
